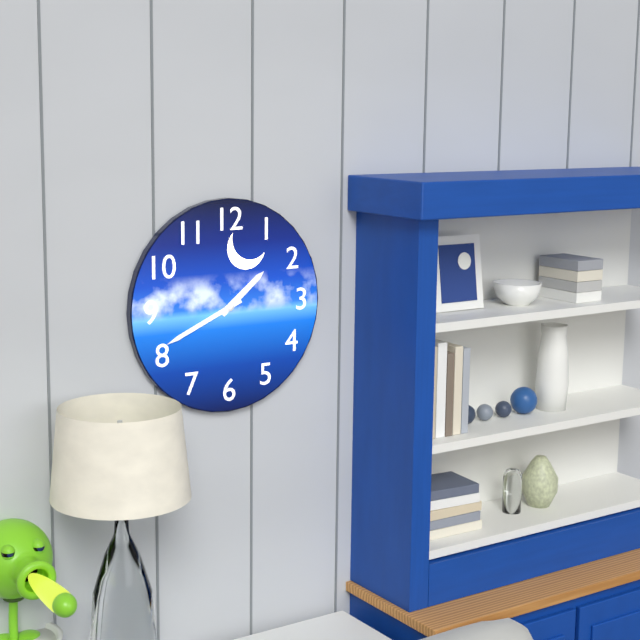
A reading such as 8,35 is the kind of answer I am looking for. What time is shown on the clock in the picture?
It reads 1,41
